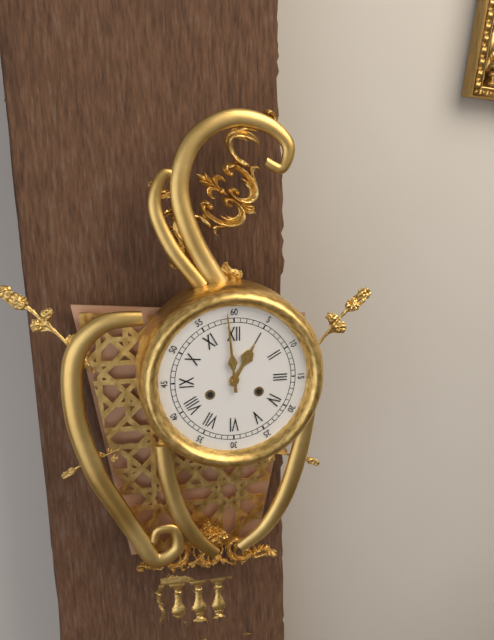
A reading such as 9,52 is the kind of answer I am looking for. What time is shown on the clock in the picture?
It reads 12,59
